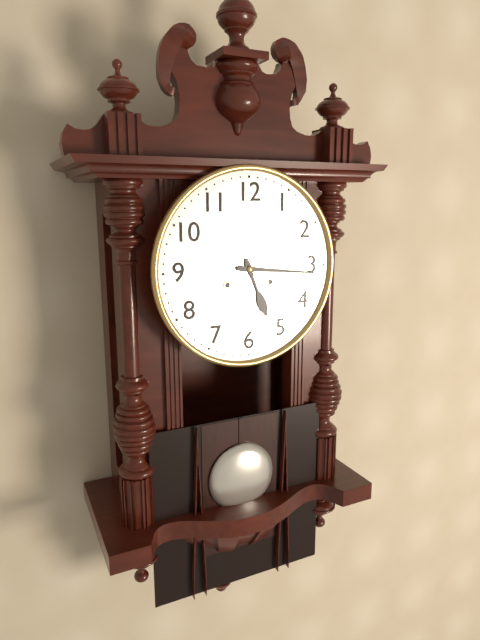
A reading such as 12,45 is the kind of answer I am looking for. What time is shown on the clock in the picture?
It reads 5,16
